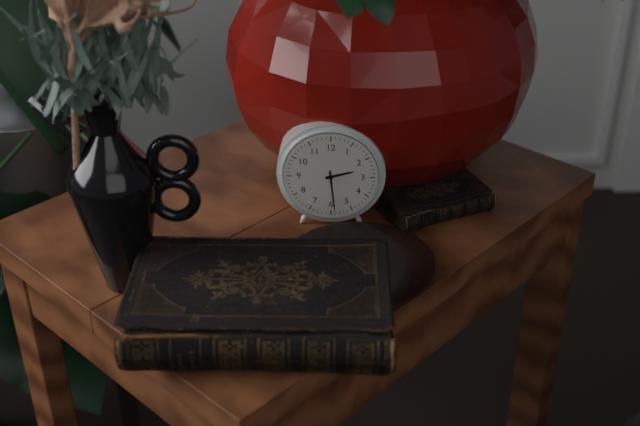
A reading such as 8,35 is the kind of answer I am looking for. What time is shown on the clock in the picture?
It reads 2,29
